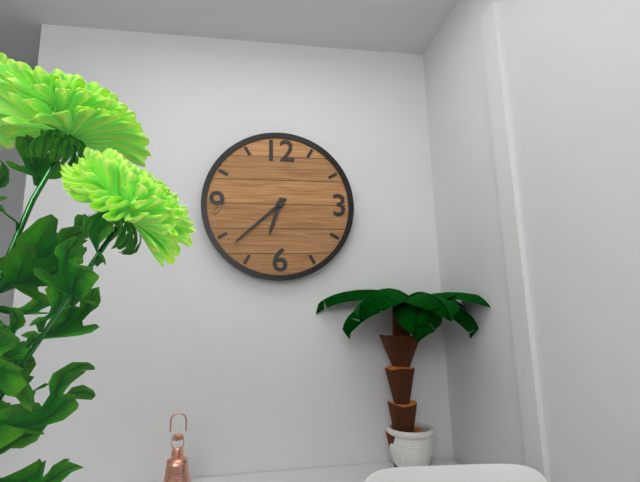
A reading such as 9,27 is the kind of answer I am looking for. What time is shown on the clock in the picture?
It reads 6,38
